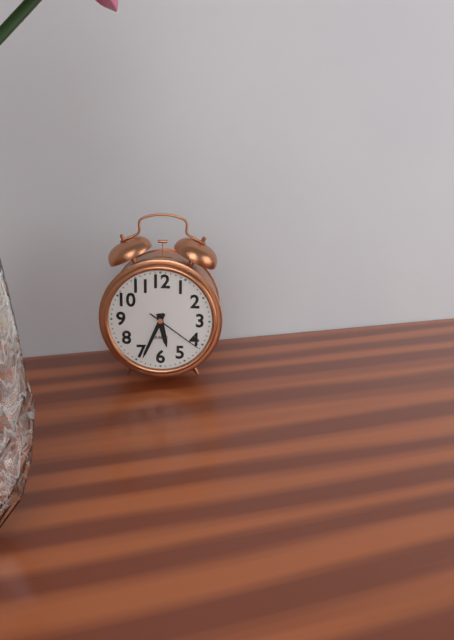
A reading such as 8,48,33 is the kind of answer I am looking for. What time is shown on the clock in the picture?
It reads 5,34,21
